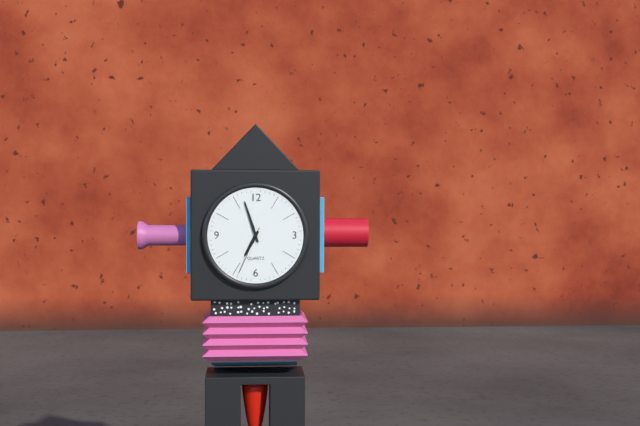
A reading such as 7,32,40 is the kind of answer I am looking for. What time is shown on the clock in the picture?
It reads 6,57,34
